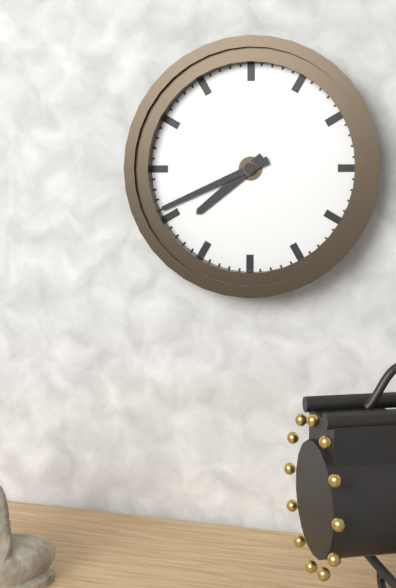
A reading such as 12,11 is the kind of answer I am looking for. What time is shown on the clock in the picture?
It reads 7,41
